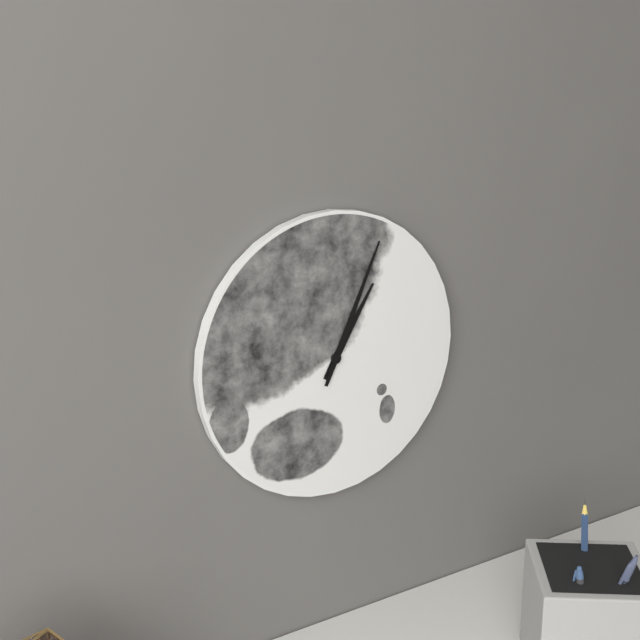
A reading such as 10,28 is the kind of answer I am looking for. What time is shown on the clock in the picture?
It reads 1,04
